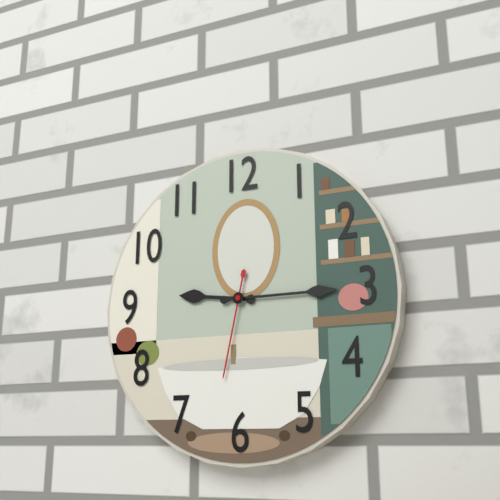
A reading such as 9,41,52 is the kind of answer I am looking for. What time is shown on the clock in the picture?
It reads 9,15,32
